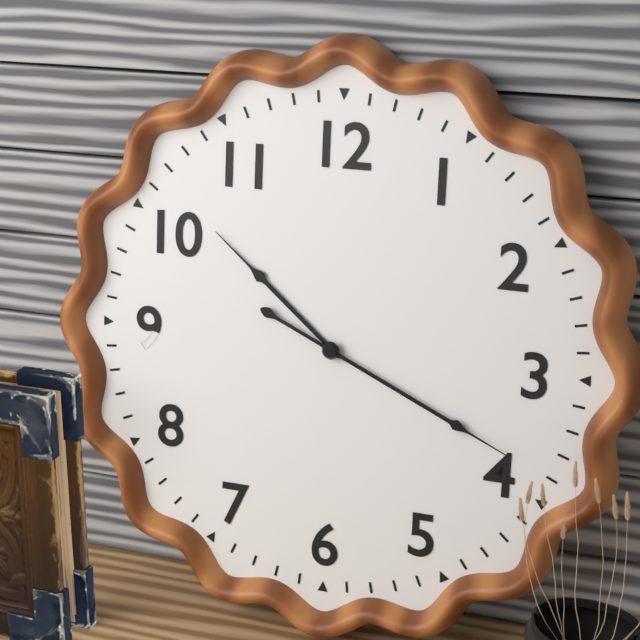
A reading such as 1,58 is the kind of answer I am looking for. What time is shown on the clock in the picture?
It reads 10,19
